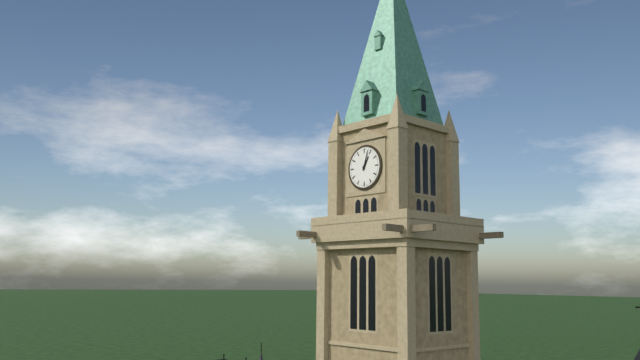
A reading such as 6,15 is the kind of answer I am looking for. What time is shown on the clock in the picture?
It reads 1,03
